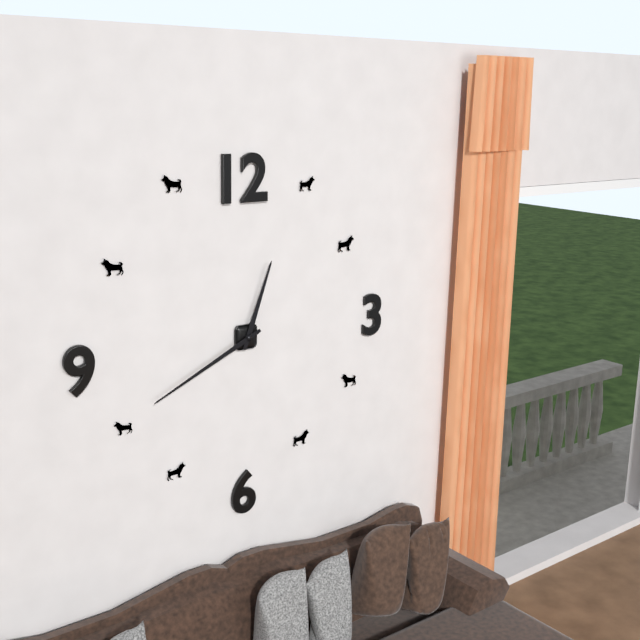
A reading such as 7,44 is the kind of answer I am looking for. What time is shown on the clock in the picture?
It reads 12,41
